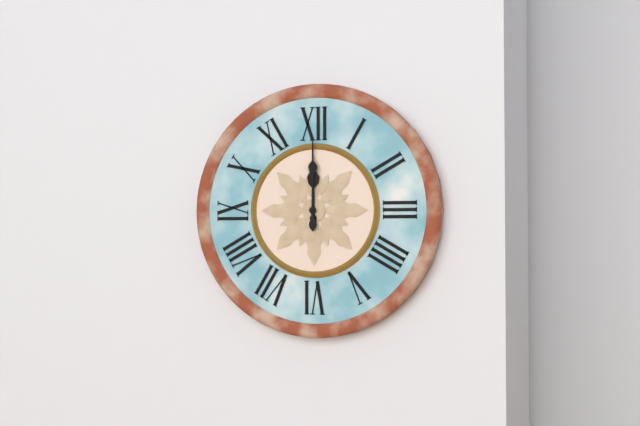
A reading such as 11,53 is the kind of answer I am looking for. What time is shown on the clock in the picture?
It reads 12,00
